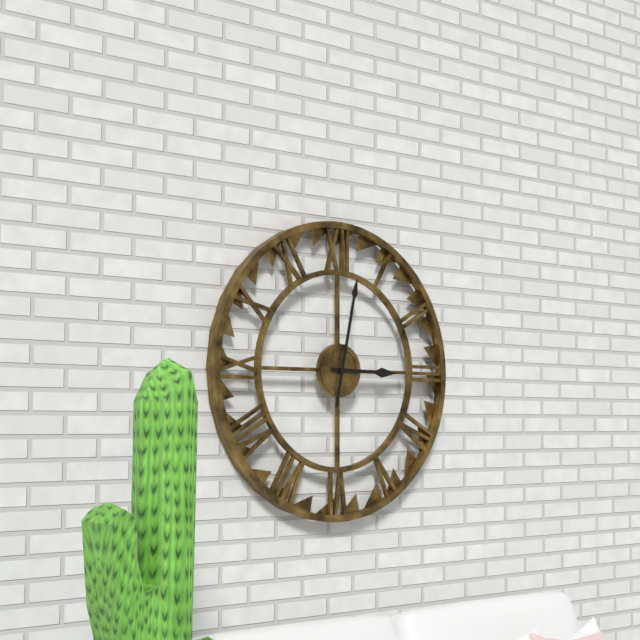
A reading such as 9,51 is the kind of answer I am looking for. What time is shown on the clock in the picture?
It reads 3,02
